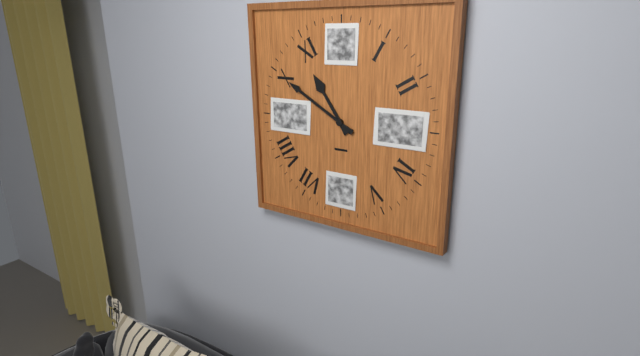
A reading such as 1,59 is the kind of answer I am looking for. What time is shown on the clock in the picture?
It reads 10,50
